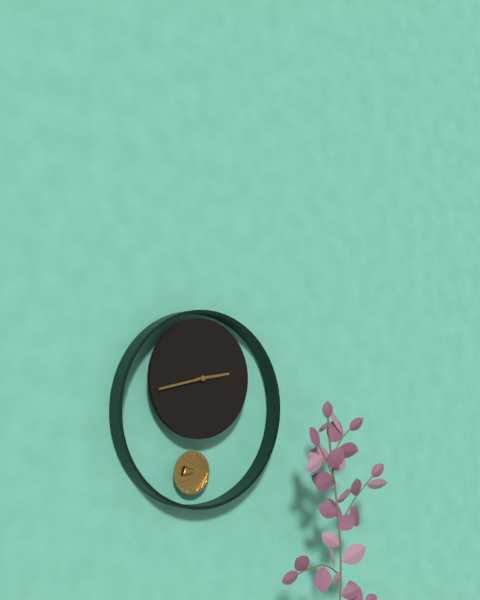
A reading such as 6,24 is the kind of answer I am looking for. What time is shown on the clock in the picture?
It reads 2,43
